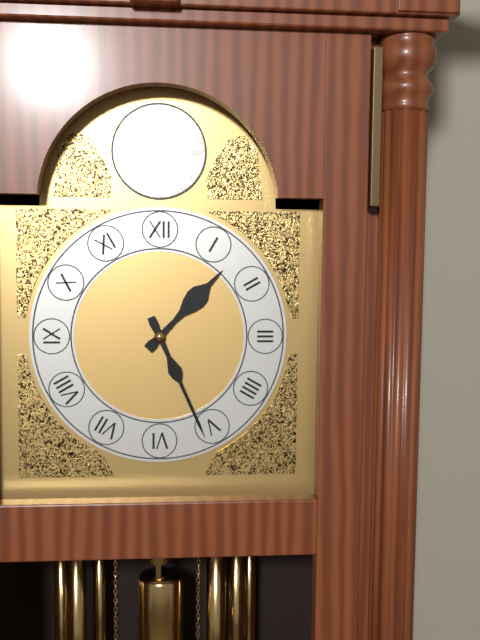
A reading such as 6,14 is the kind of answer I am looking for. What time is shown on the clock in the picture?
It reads 1,26
